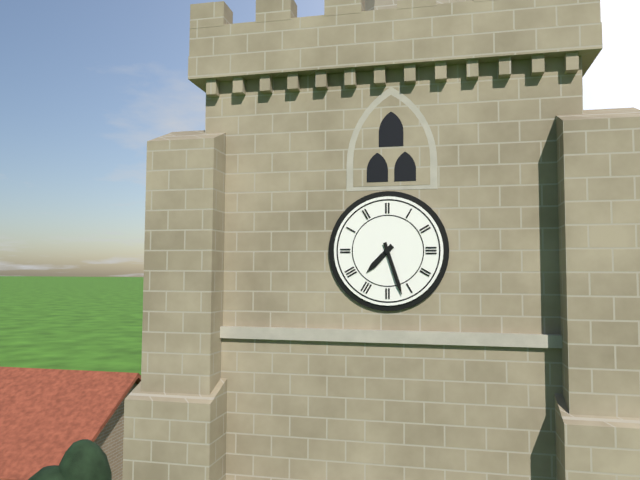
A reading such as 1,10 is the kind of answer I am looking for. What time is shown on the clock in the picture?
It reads 7,27
